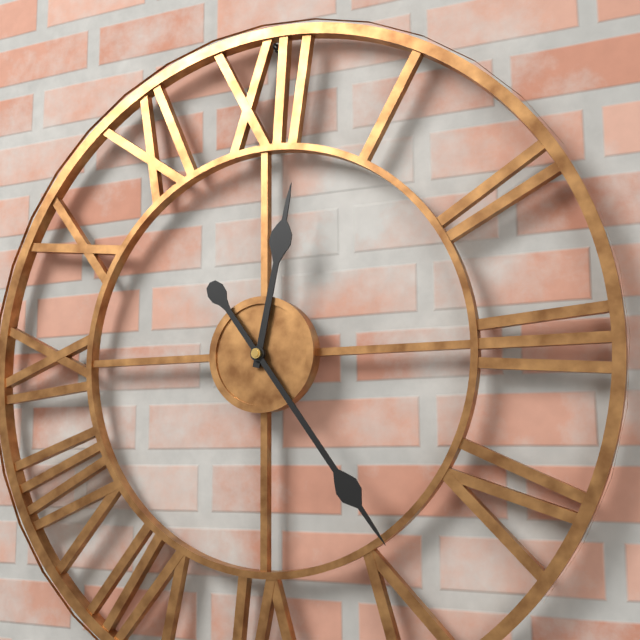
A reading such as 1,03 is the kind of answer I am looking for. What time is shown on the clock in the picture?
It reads 12,24
